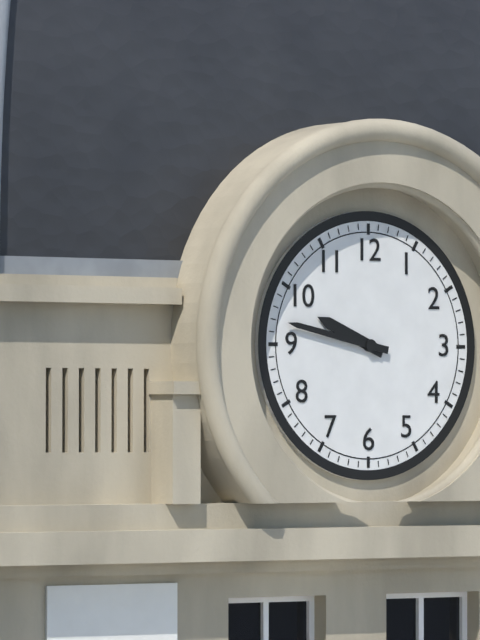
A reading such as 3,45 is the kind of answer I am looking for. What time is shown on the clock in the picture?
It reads 9,47
